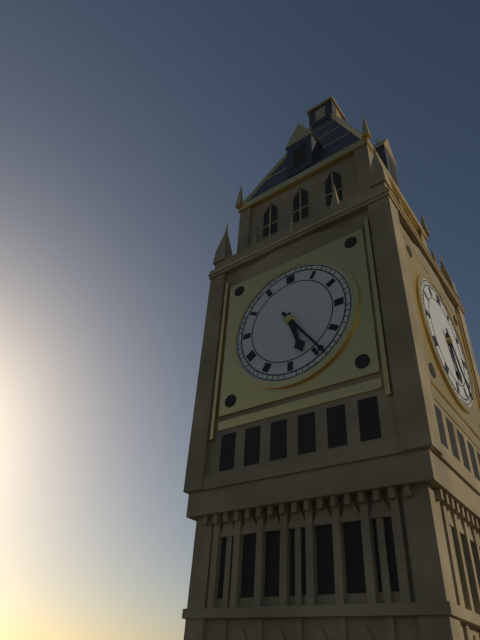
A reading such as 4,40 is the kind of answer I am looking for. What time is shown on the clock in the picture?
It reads 5,24
